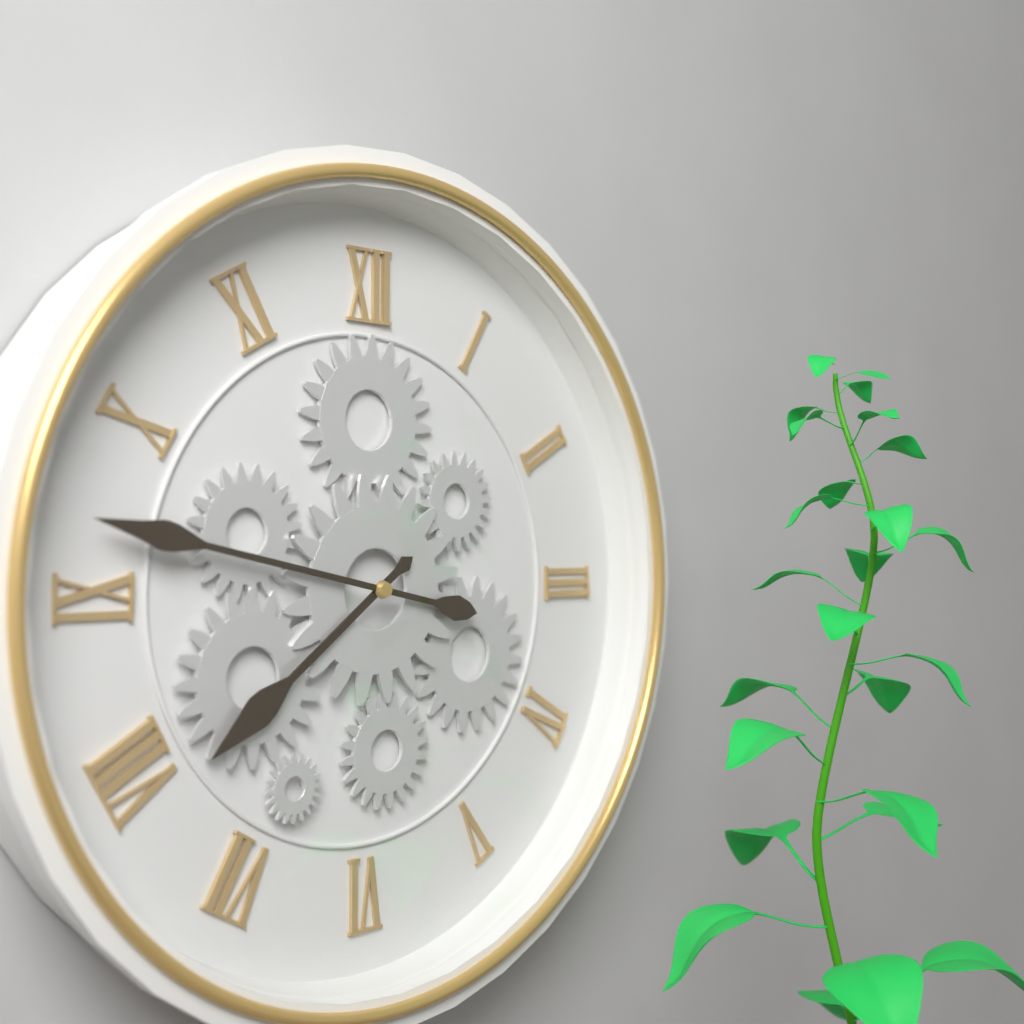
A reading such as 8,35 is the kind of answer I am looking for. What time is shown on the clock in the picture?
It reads 7,47
